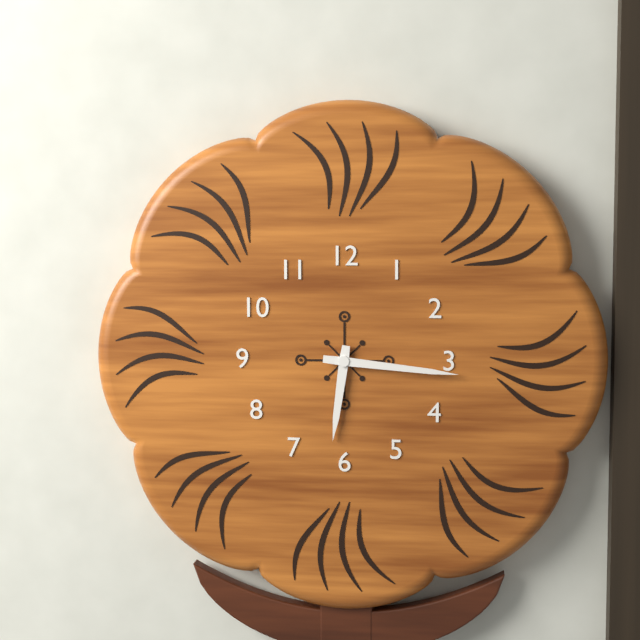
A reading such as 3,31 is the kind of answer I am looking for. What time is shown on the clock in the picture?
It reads 6,16
